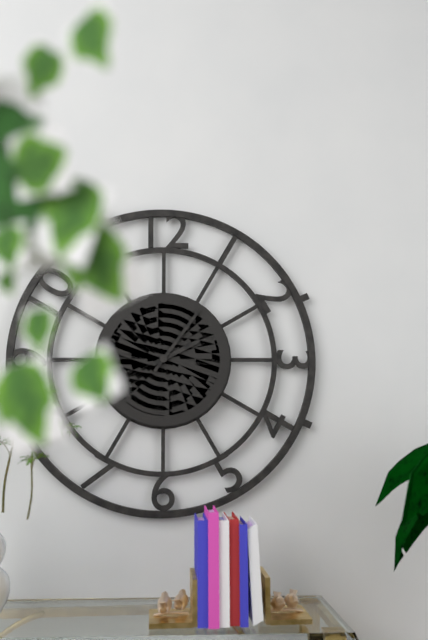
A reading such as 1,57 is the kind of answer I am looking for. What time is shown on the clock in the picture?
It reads 2,06
